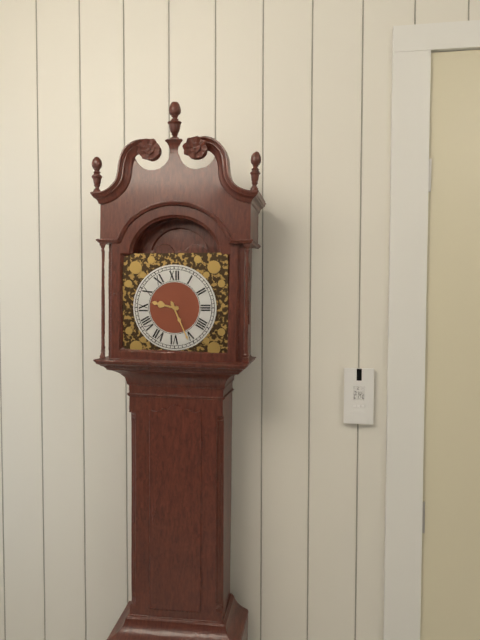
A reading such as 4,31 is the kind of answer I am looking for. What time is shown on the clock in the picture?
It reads 9,26
